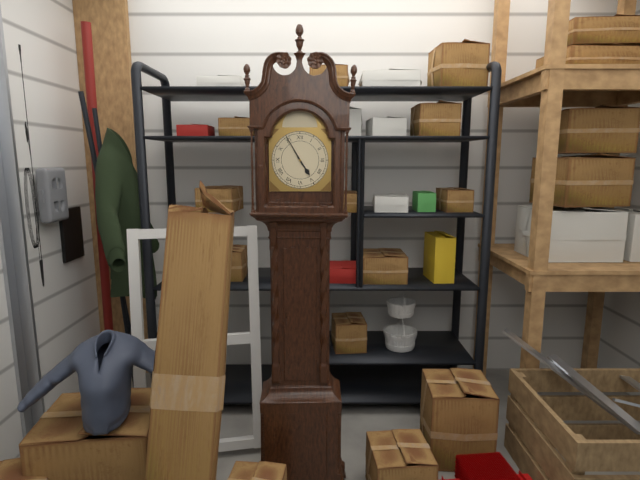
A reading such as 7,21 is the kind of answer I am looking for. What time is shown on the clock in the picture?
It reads 4,55
